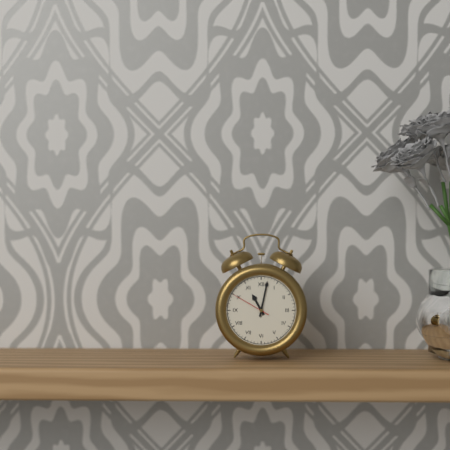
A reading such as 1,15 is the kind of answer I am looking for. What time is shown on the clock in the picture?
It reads 11,02
